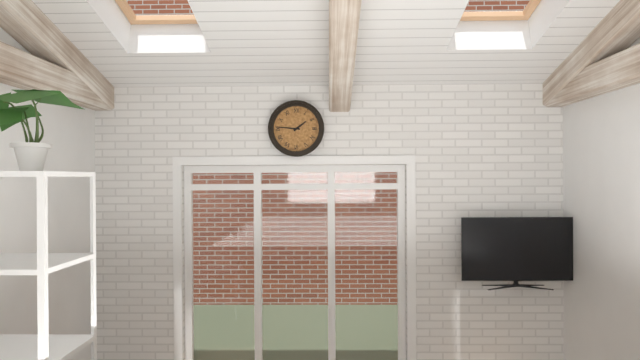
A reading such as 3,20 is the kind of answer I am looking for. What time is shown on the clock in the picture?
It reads 1,46
